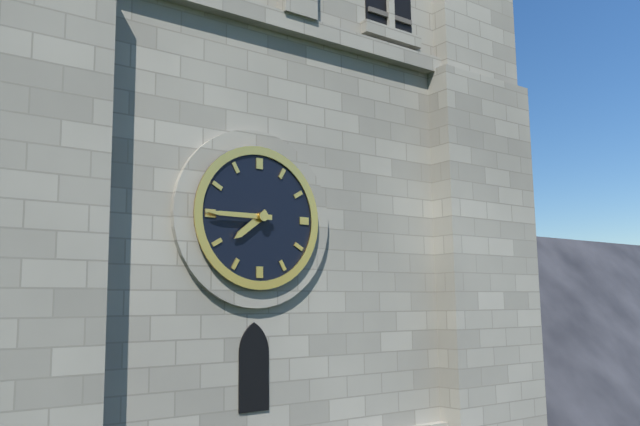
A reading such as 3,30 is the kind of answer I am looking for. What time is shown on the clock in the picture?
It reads 7,45
